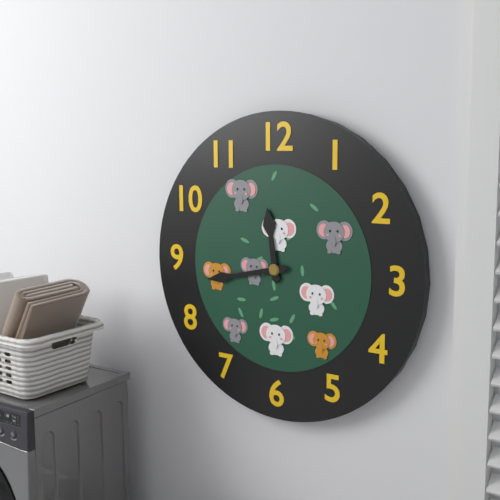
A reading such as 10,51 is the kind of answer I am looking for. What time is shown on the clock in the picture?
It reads 11,43
